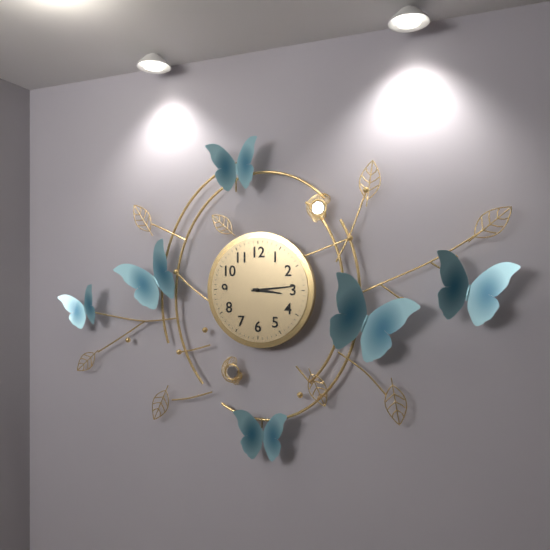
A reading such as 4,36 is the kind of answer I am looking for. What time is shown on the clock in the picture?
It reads 3,14
